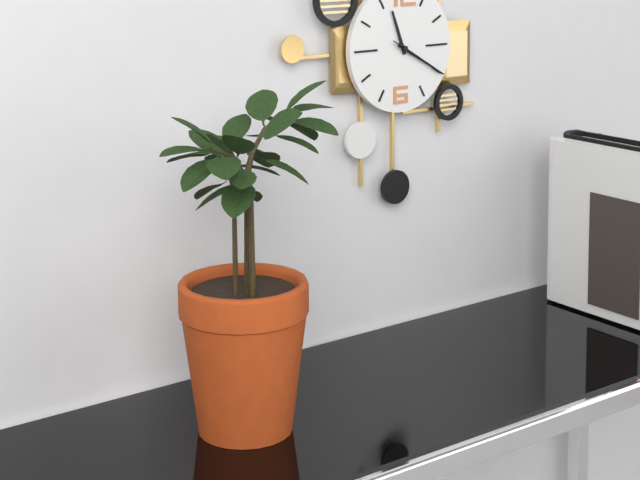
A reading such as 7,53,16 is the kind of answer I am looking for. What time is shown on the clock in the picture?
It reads 11,20,20
